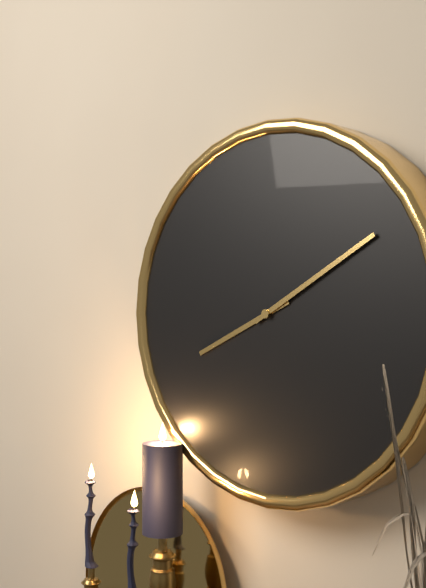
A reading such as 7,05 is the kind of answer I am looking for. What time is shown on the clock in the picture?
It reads 8,10
